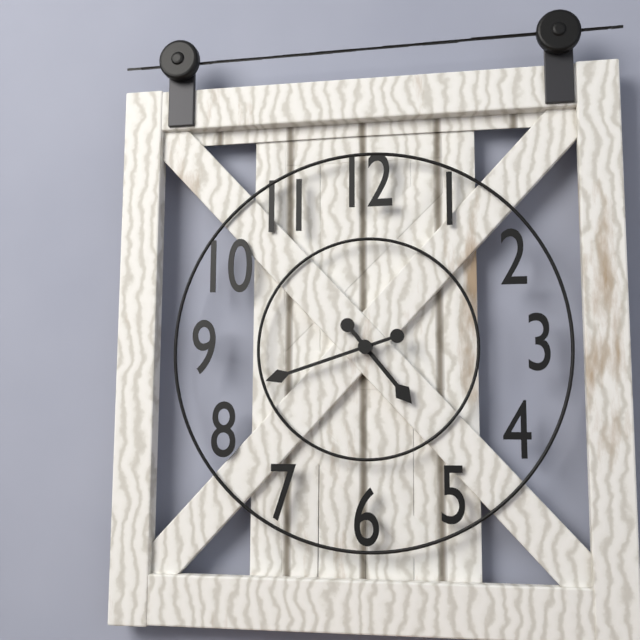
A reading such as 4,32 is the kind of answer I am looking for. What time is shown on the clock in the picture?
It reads 4,42
